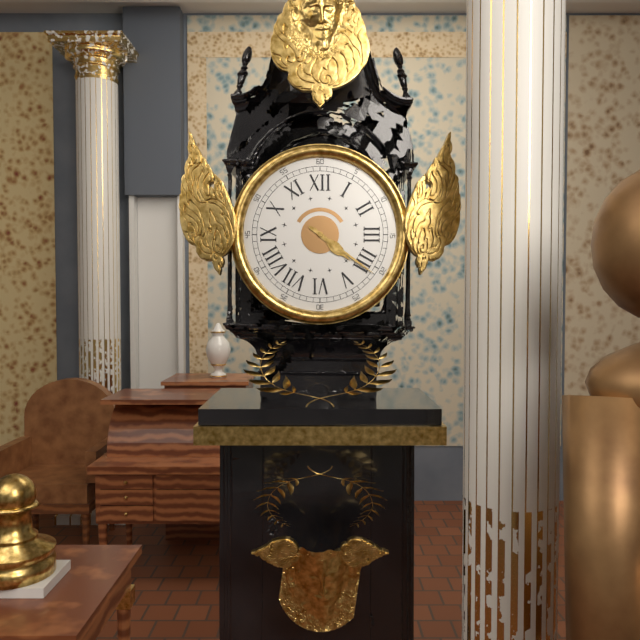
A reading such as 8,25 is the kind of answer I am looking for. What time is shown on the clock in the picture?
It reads 4,21
